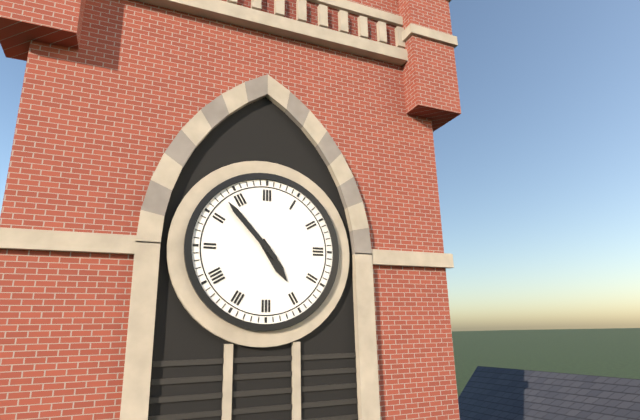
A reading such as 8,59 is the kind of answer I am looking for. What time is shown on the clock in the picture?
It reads 4,53
